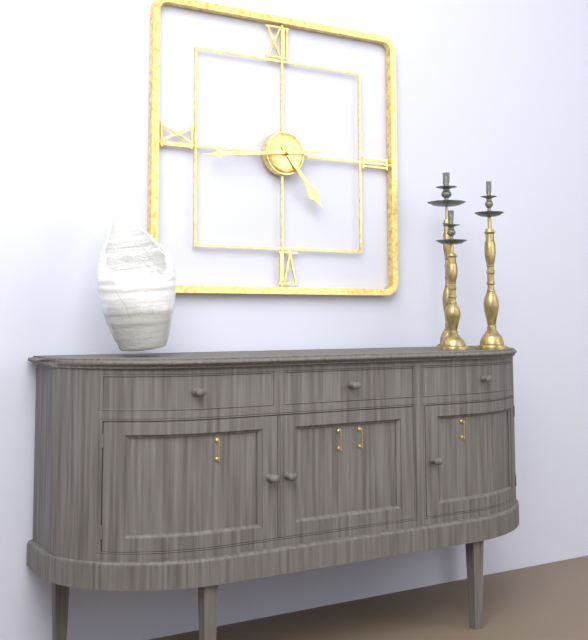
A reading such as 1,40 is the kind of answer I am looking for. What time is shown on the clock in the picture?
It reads 4,44
